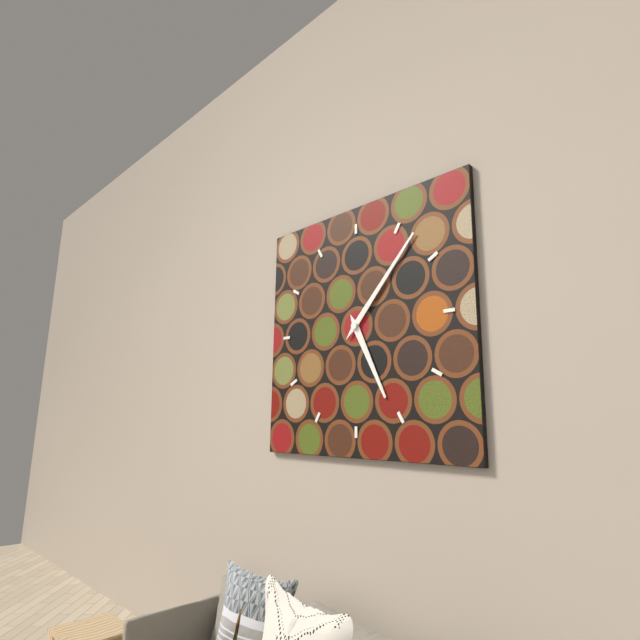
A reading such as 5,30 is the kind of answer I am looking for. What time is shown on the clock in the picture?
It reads 5,07
